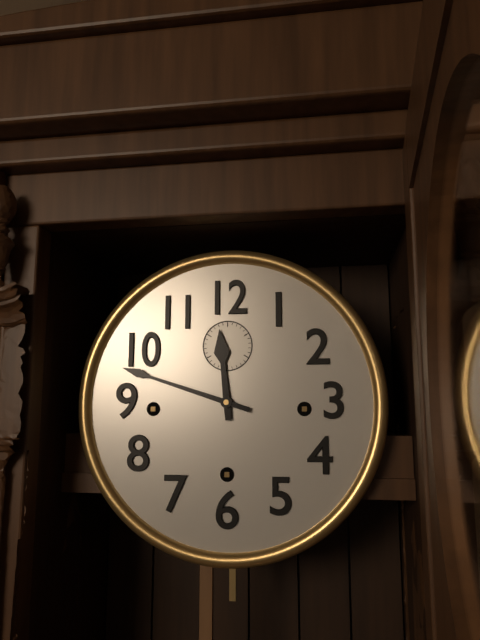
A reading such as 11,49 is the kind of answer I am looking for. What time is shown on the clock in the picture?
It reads 11,48
